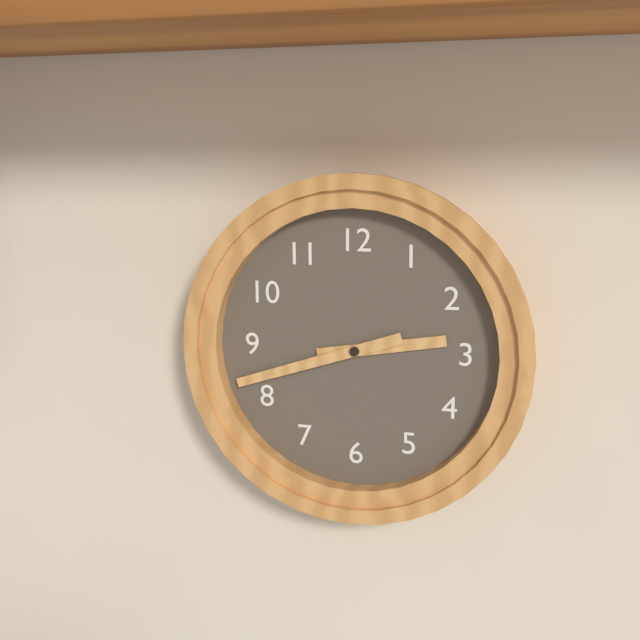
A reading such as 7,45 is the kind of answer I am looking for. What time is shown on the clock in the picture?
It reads 2,42
